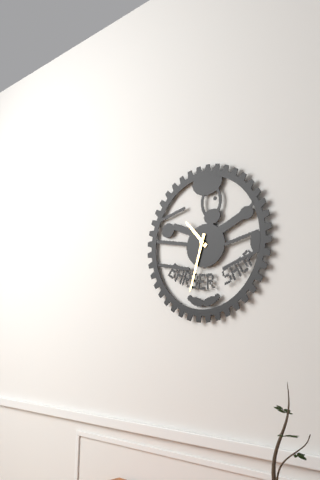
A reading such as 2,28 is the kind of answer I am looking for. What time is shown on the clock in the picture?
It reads 10,33
